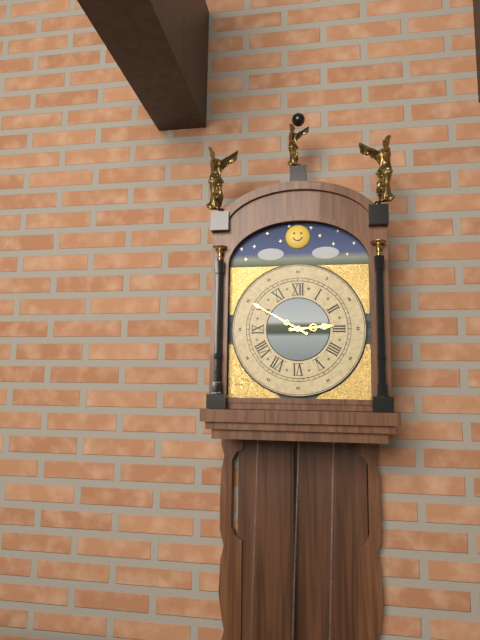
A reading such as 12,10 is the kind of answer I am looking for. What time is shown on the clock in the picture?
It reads 2,50
